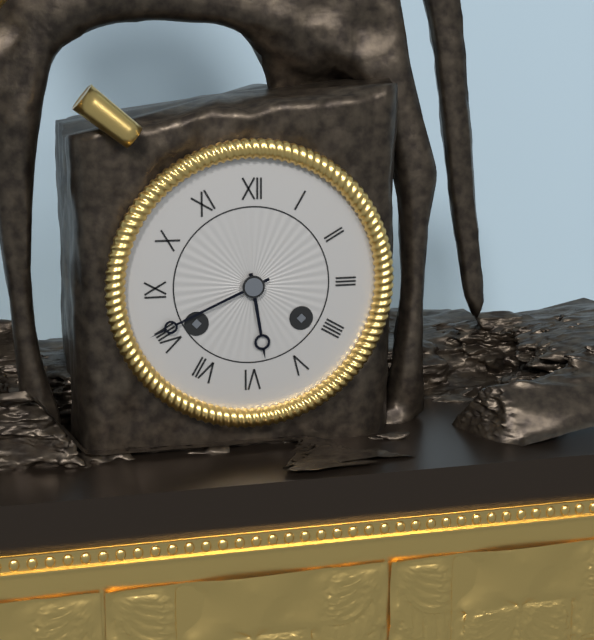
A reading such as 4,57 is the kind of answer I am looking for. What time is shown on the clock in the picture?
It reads 5,41
